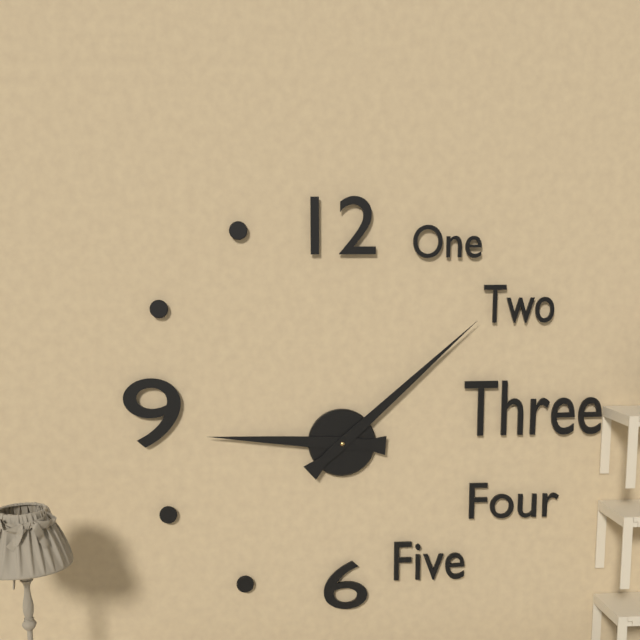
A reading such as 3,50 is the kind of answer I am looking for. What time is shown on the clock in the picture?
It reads 9,08
